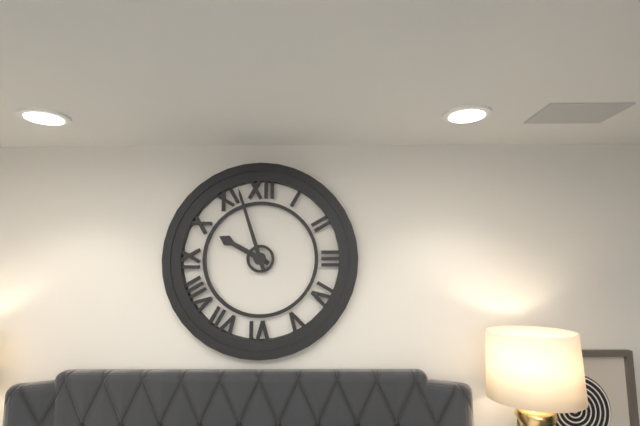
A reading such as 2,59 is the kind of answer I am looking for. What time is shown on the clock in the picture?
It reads 9,57
